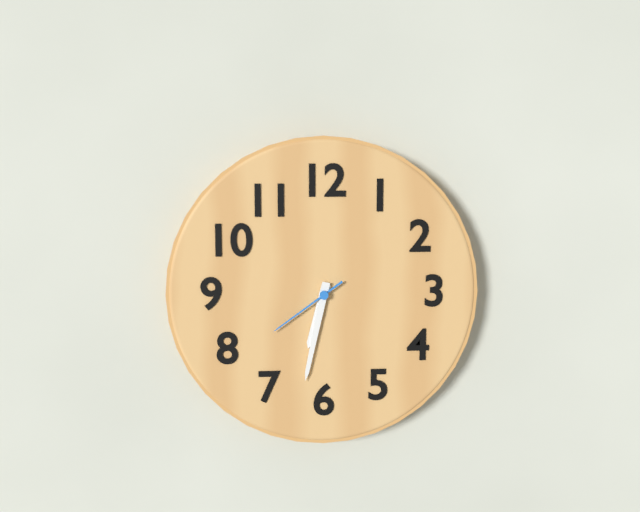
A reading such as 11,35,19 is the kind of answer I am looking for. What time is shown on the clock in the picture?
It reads 6,32,39
